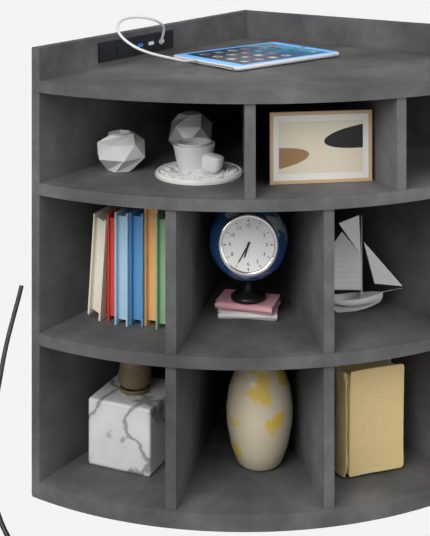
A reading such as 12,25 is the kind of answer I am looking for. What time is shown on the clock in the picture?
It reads 6,35
